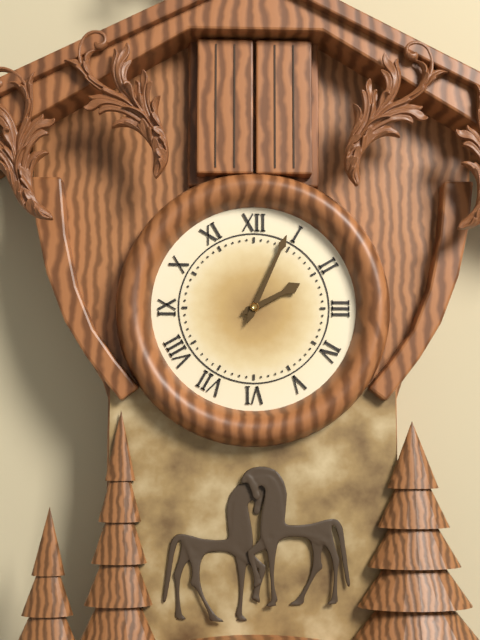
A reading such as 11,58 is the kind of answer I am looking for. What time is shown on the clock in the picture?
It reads 2,04
